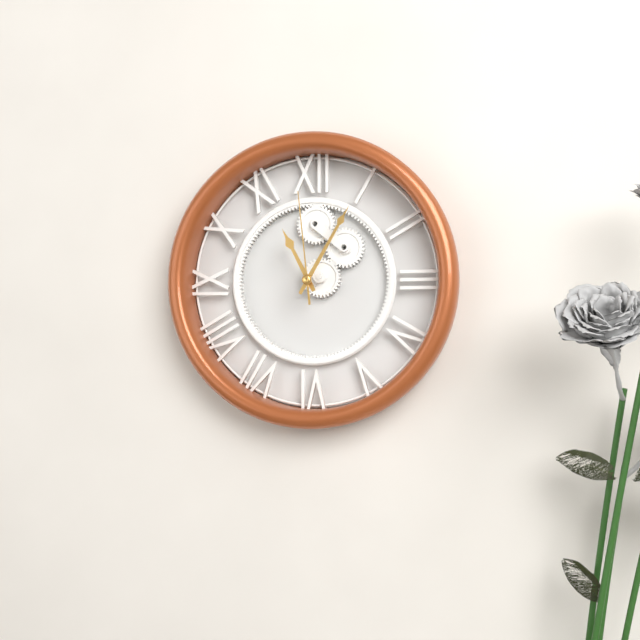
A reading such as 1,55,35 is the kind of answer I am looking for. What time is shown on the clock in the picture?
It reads 11,05,59
